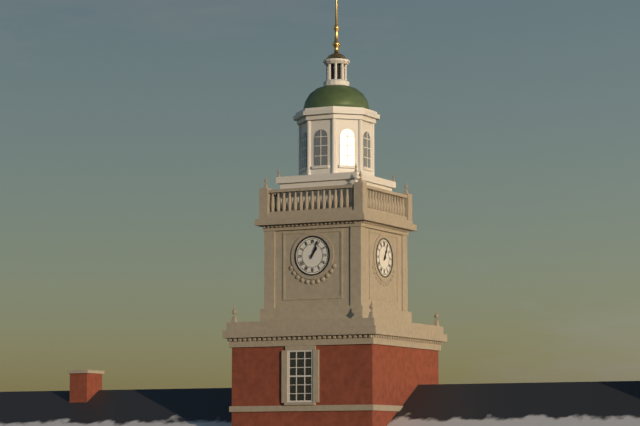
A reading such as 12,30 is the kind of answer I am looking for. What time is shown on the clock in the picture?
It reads 1,04
